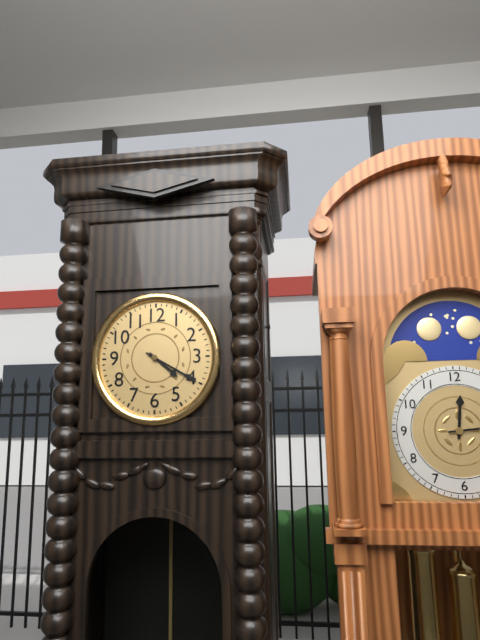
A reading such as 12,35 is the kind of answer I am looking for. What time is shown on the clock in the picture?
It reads 4,20
